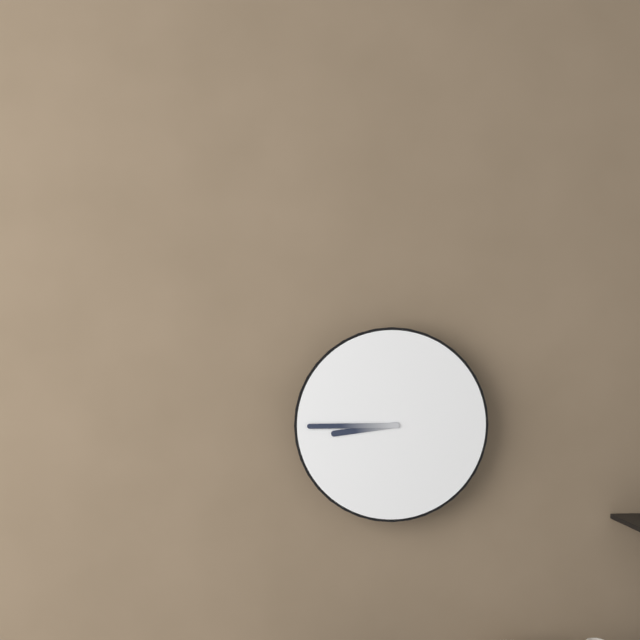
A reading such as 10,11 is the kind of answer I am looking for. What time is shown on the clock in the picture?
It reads 8,45
